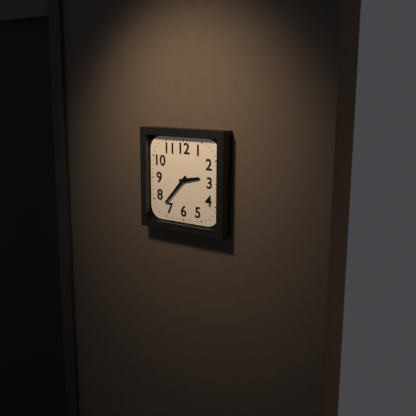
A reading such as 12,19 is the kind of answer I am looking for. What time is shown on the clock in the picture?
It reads 2,37
